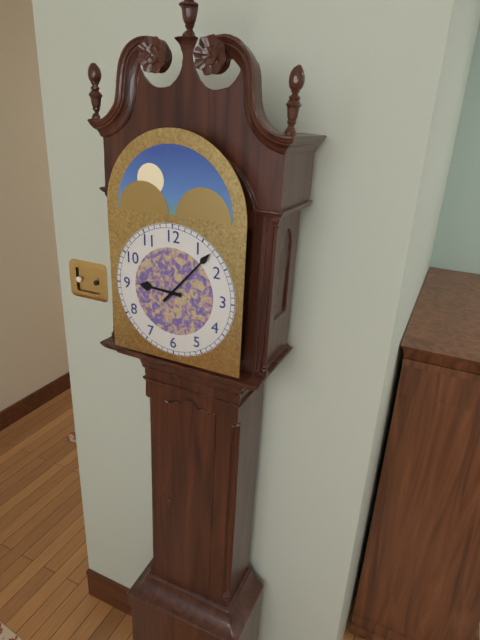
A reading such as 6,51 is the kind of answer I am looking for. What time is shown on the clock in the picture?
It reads 9,07
